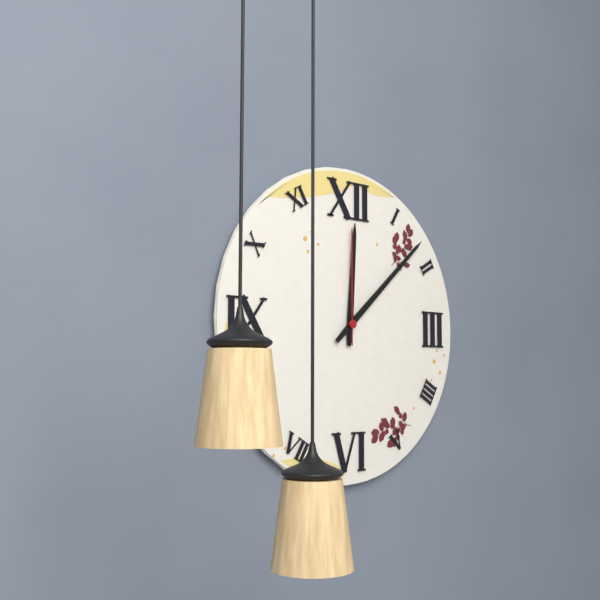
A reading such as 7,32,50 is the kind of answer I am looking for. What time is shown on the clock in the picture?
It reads 12,08,00
